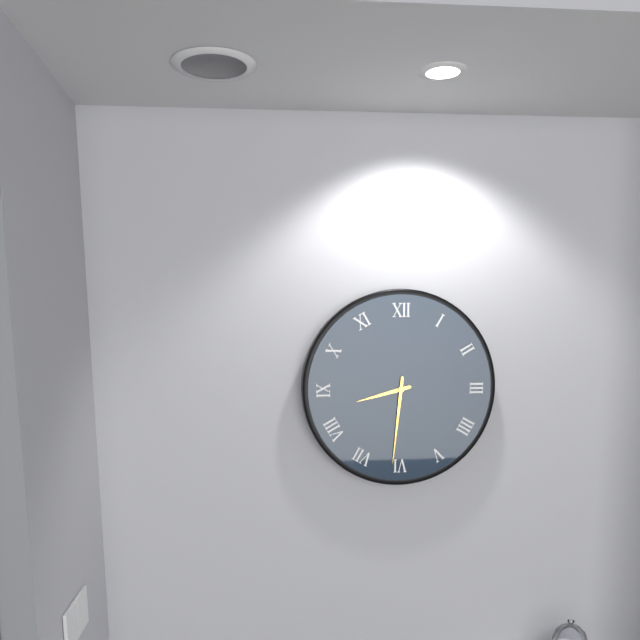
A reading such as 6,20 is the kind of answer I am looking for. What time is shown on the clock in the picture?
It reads 8,31
